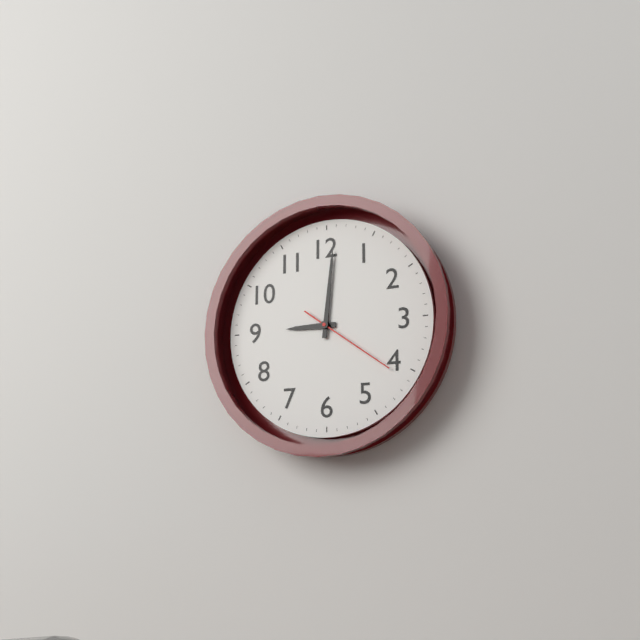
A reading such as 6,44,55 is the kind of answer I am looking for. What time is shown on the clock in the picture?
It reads 9,01,21
